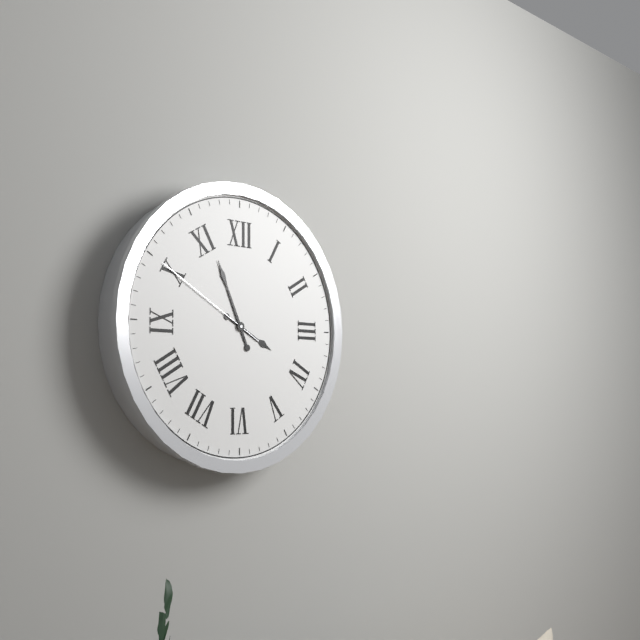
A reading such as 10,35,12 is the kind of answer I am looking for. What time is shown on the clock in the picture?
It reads 3,56,50
